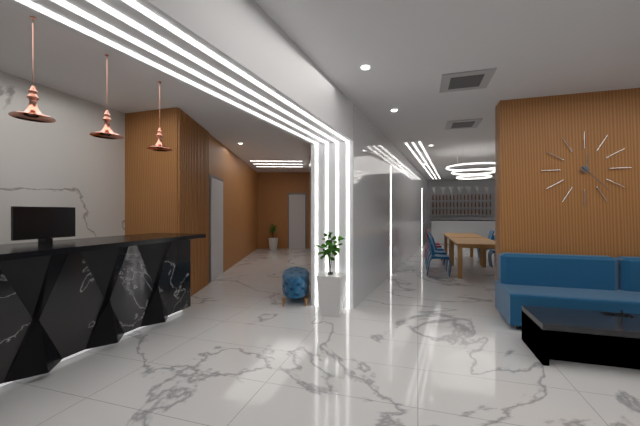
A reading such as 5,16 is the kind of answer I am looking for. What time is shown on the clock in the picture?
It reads 12,23
